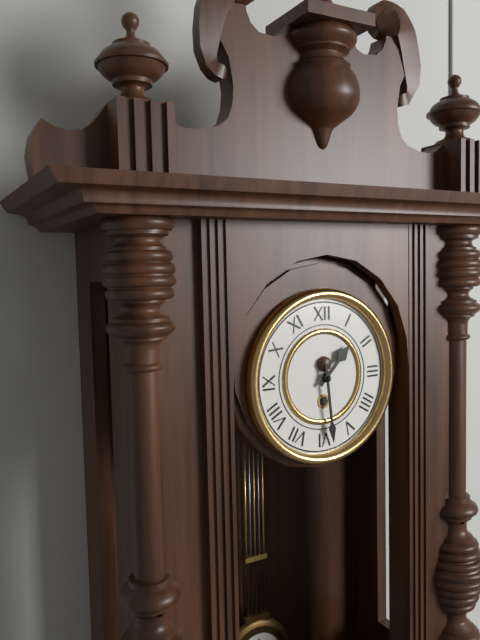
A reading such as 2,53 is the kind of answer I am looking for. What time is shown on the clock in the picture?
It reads 1,29
